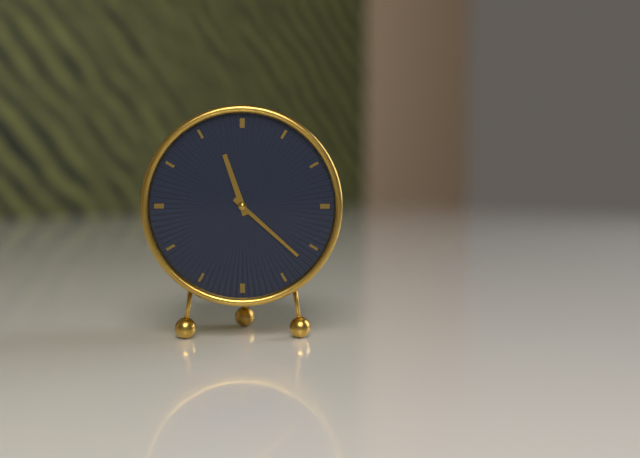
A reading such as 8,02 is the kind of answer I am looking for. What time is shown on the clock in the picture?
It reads 11,22
